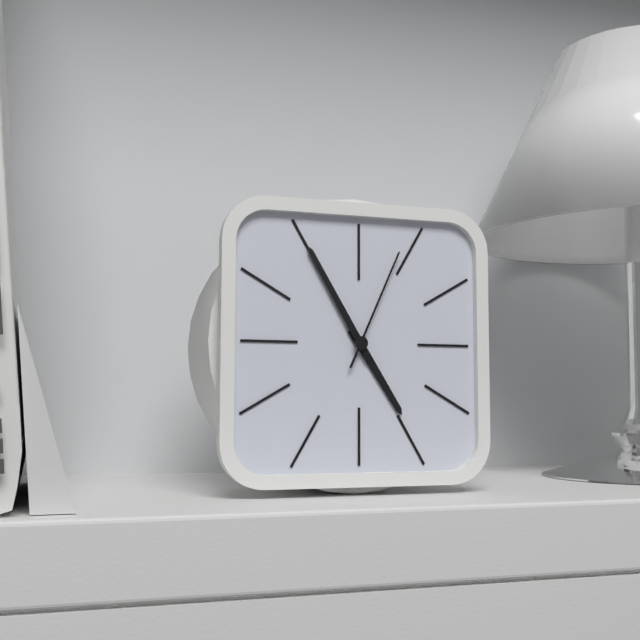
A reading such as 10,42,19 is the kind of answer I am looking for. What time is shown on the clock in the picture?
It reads 4,55,04
